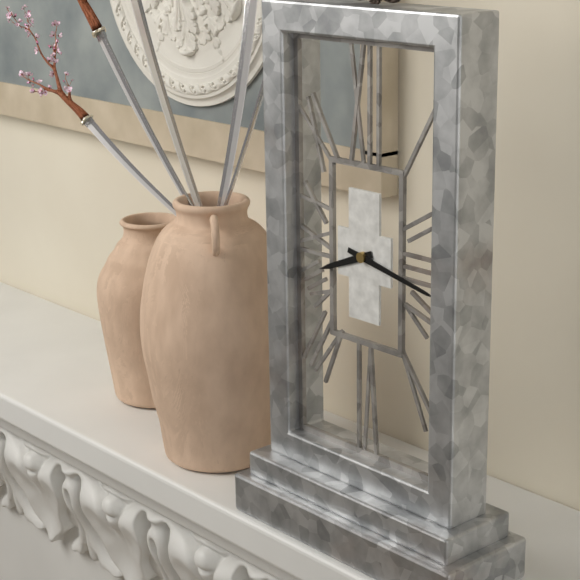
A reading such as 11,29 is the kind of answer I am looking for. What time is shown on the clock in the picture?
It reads 8,17
